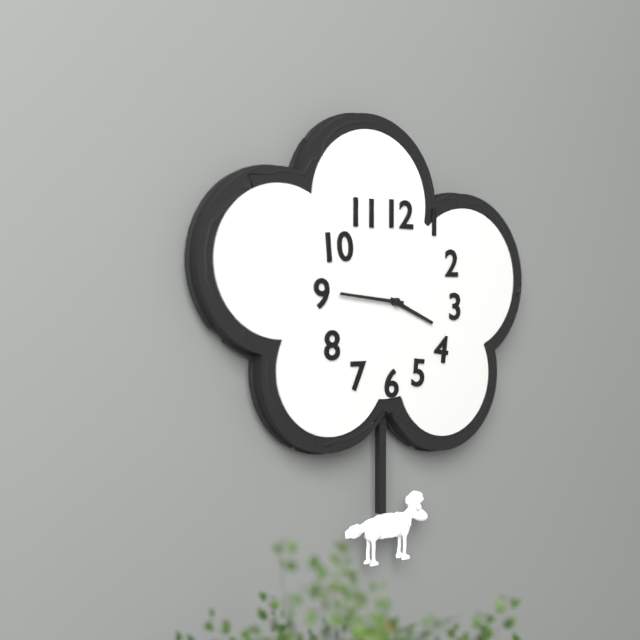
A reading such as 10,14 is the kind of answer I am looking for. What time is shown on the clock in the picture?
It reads 3,46
